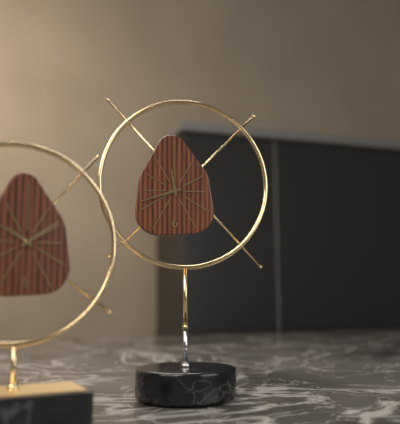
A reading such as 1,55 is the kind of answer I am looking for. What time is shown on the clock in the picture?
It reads 11,42
